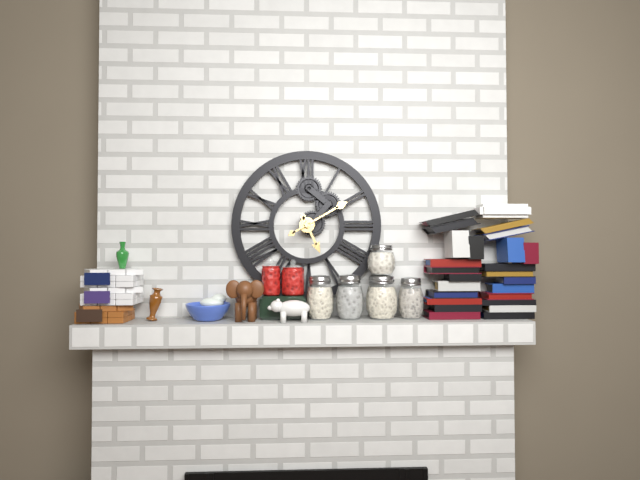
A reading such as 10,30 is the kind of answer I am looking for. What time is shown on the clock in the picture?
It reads 5,10
